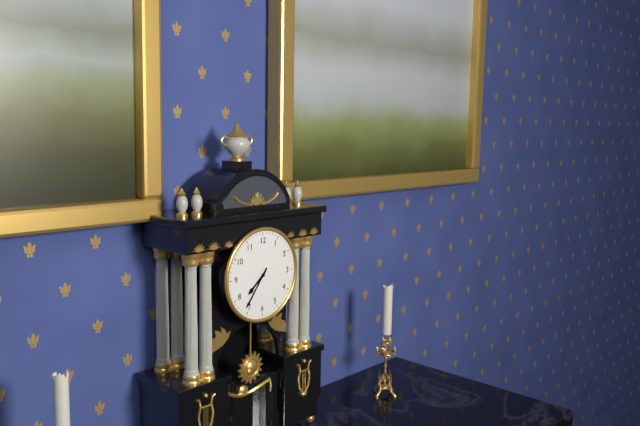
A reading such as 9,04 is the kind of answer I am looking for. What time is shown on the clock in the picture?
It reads 7,36
